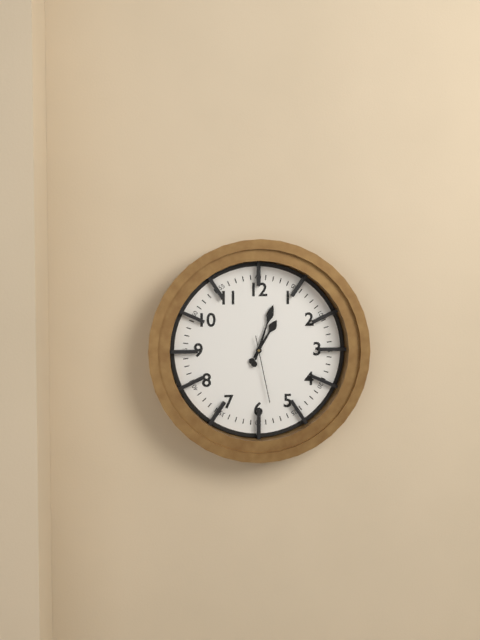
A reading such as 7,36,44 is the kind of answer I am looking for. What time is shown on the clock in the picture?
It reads 1,03,28
